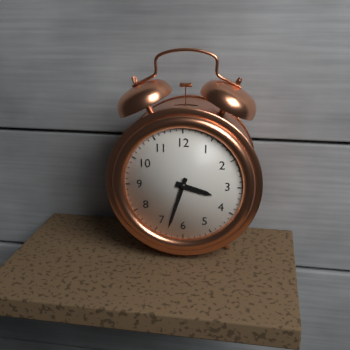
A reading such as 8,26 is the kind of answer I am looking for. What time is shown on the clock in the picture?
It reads 3,33
